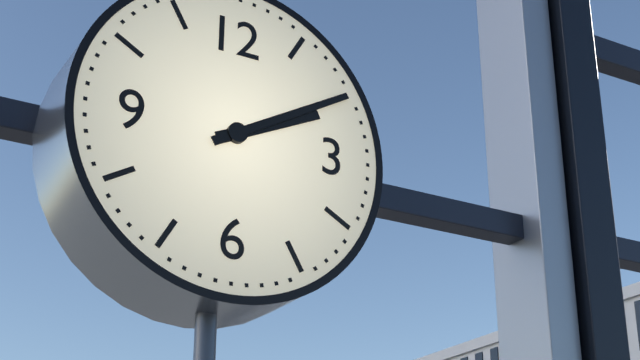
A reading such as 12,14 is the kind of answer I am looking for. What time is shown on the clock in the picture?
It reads 2,10
